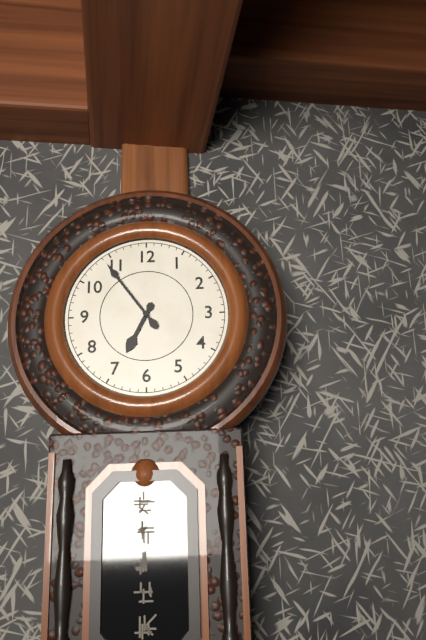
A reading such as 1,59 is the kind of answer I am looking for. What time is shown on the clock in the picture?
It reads 6,54
